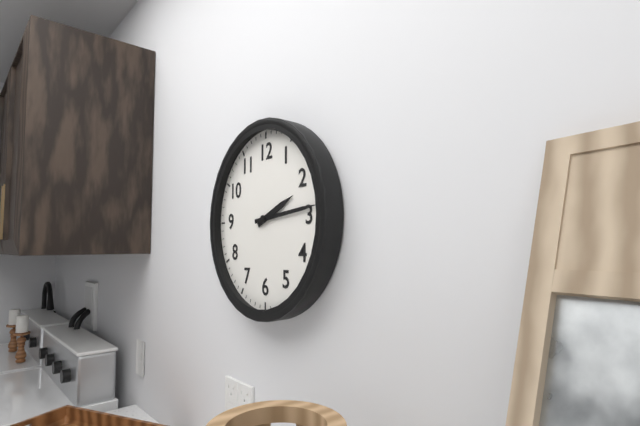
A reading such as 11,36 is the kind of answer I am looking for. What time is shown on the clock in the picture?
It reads 2,14
